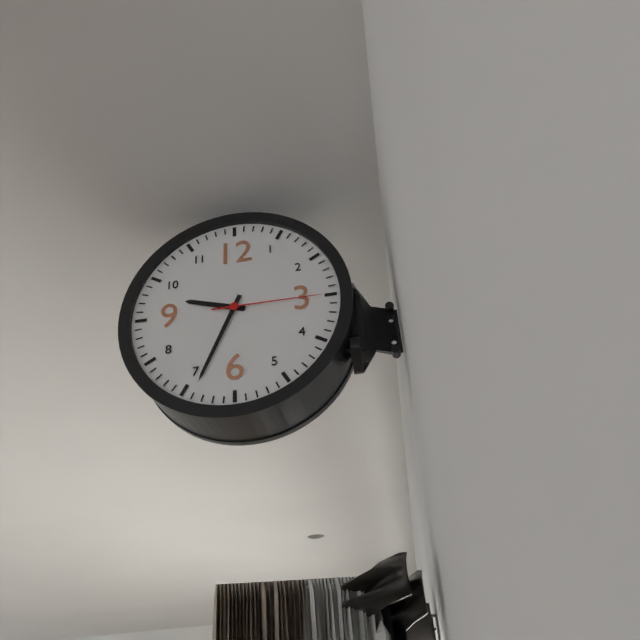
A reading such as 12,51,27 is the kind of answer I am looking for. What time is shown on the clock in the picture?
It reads 9,34,15
